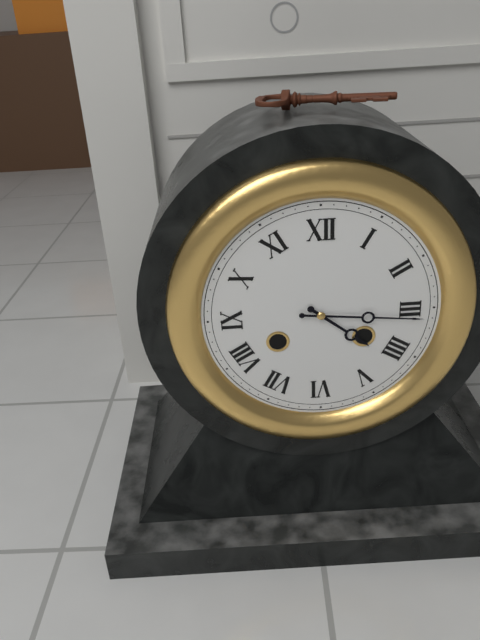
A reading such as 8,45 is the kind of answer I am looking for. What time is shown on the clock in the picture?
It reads 4,16
